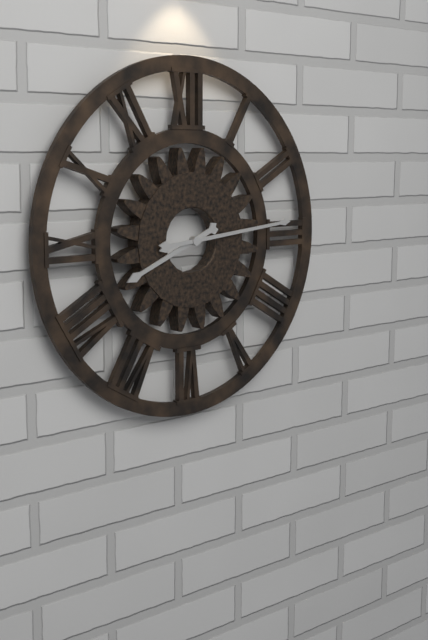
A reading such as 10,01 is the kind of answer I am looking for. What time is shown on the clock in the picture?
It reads 8,14
